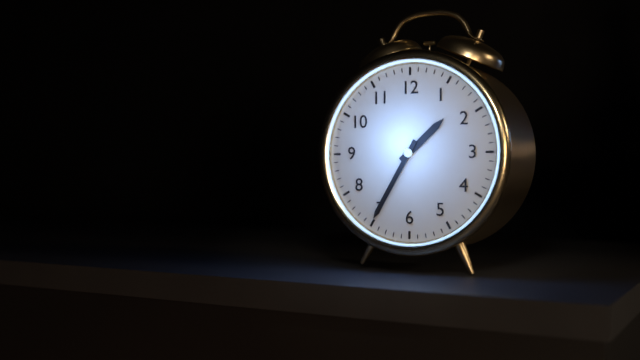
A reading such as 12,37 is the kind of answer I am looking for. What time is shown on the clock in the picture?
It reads 1,35
